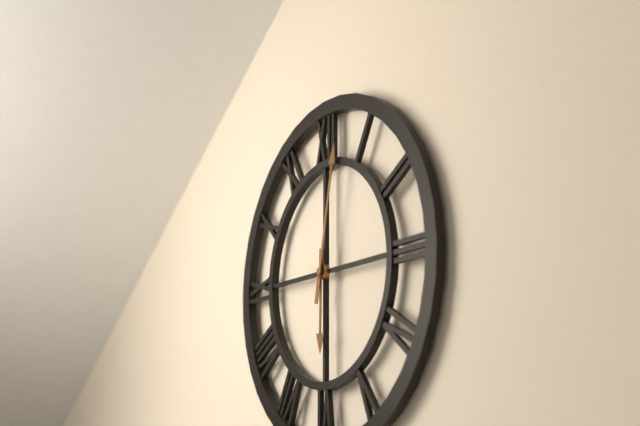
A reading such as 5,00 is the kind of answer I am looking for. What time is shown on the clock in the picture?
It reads 6,02
